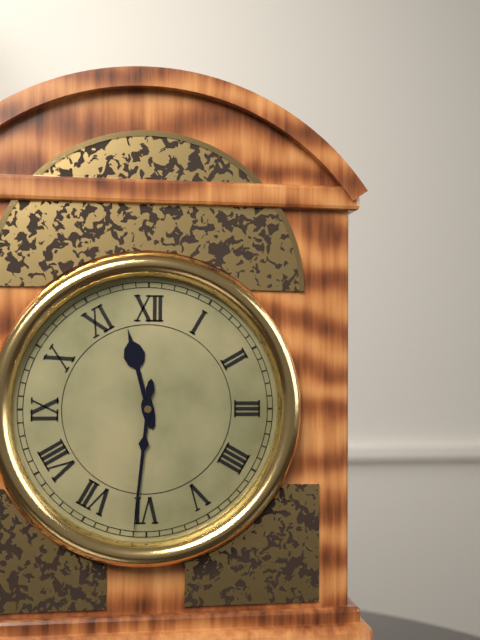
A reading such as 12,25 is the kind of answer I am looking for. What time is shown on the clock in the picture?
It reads 11,31
